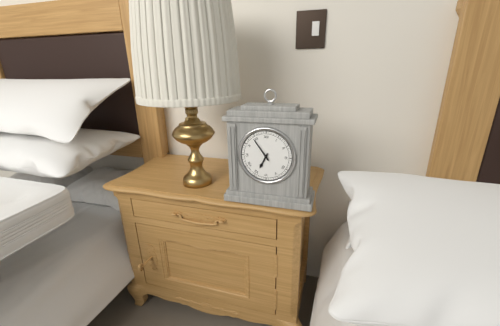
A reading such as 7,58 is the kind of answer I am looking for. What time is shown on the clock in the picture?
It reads 6,54
